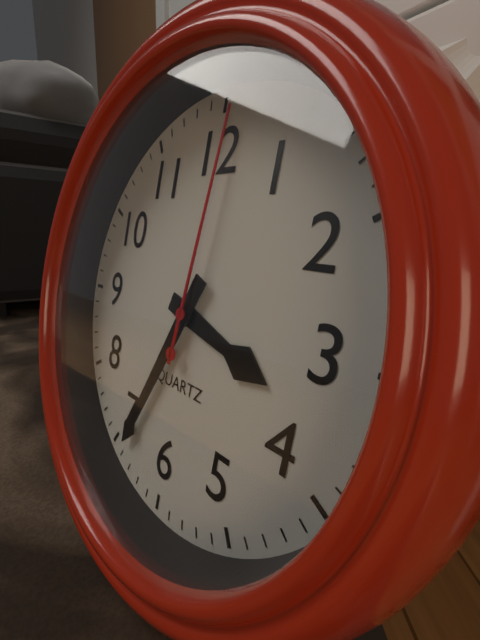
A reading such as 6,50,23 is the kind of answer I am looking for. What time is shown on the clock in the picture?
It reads 3,34,01
